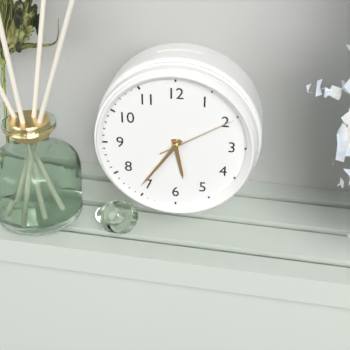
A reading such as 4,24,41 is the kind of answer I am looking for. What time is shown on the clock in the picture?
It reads 5,36,10
